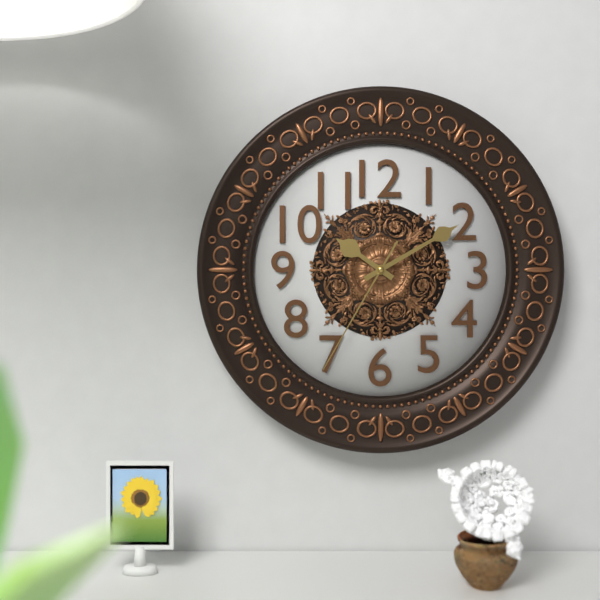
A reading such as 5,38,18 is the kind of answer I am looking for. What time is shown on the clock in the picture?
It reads 10,10,35
